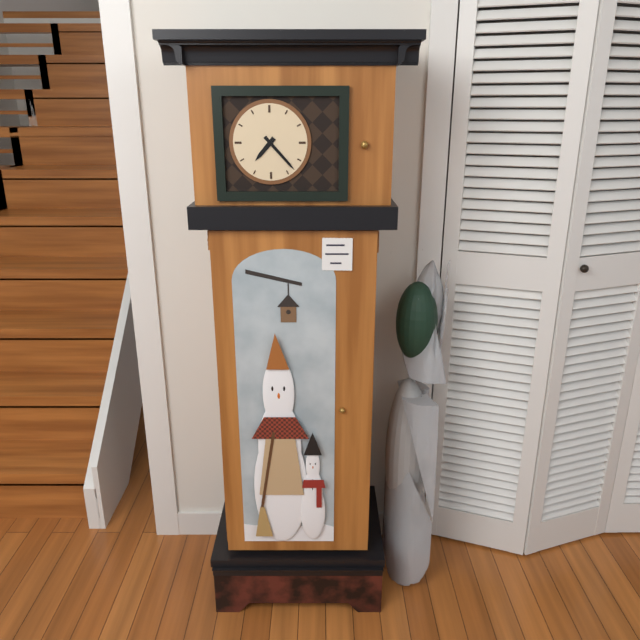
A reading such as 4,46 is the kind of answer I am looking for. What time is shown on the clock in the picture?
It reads 7,23
